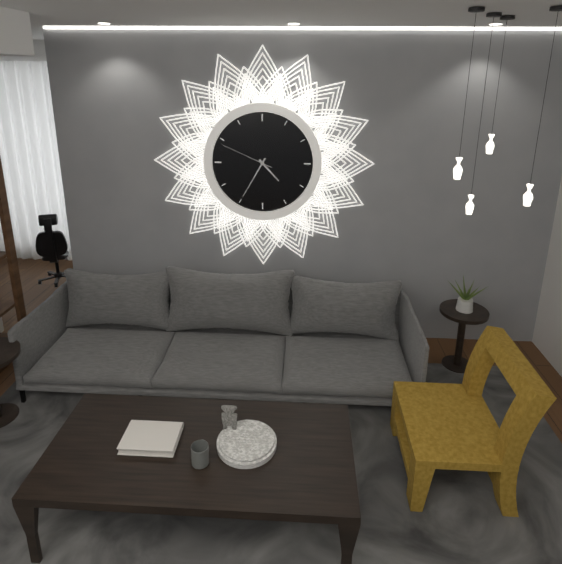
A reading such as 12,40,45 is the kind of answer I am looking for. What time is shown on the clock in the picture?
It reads 4,35,49
